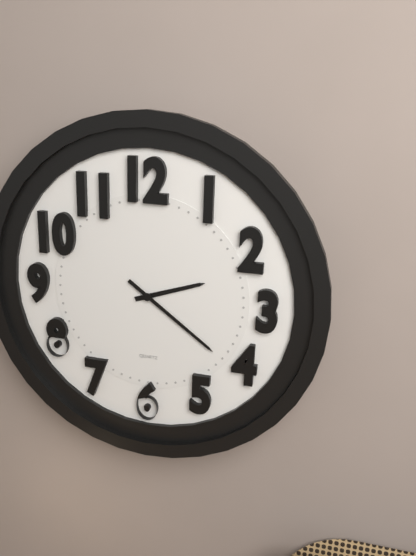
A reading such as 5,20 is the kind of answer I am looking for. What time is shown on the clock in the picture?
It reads 2,21
